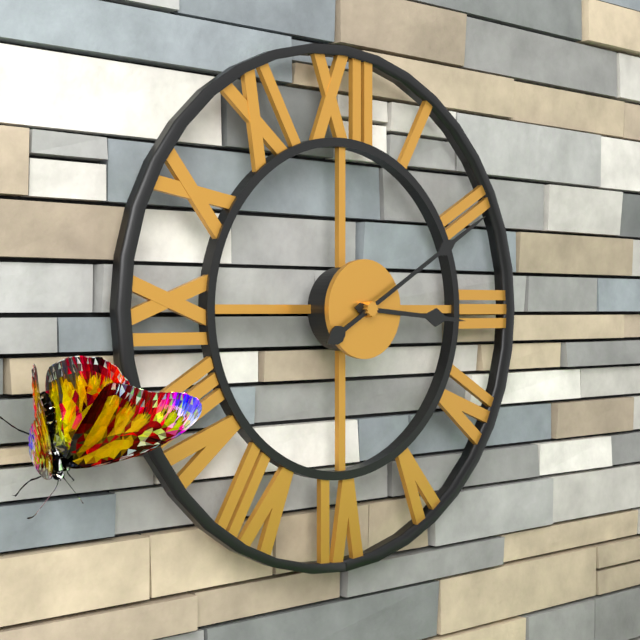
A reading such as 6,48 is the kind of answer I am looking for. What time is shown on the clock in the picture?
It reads 3,10
